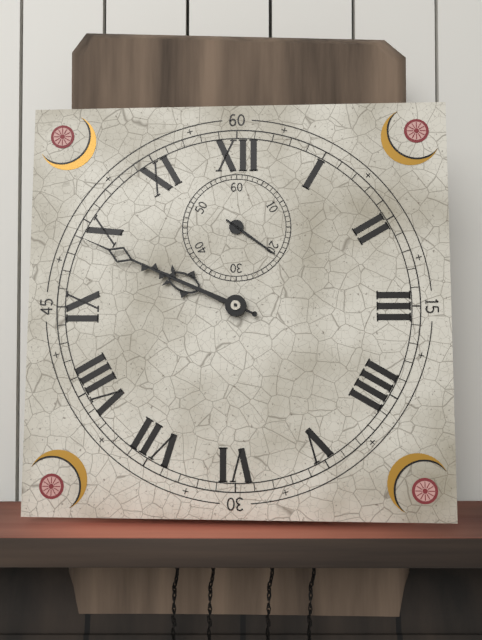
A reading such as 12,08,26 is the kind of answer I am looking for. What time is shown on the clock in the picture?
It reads 9,49,21
